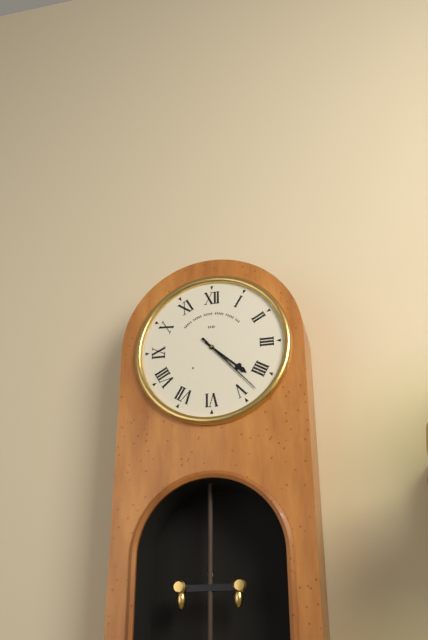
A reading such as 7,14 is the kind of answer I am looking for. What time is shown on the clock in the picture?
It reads 4,23
